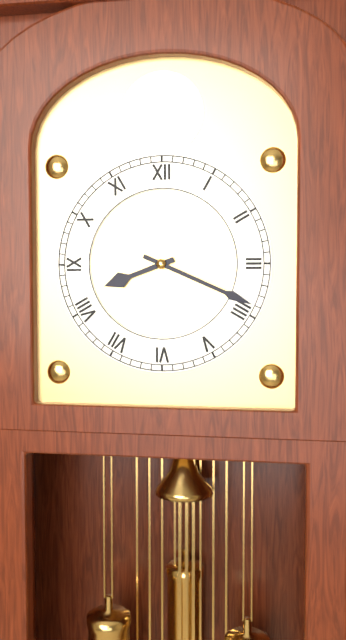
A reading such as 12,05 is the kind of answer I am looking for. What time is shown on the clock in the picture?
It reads 8,19
